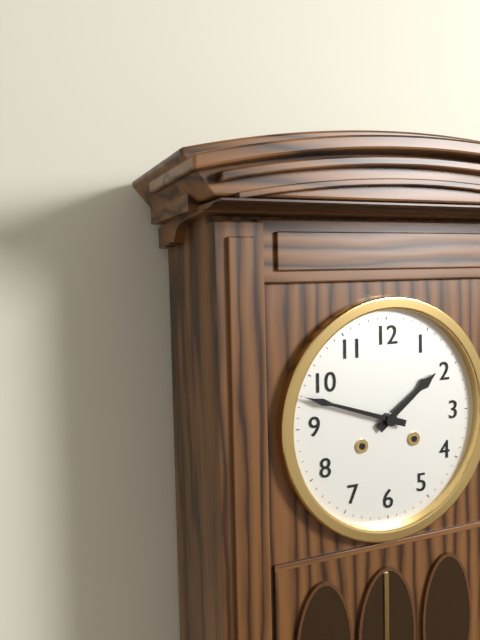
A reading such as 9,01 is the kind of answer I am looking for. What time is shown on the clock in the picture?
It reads 1,48
